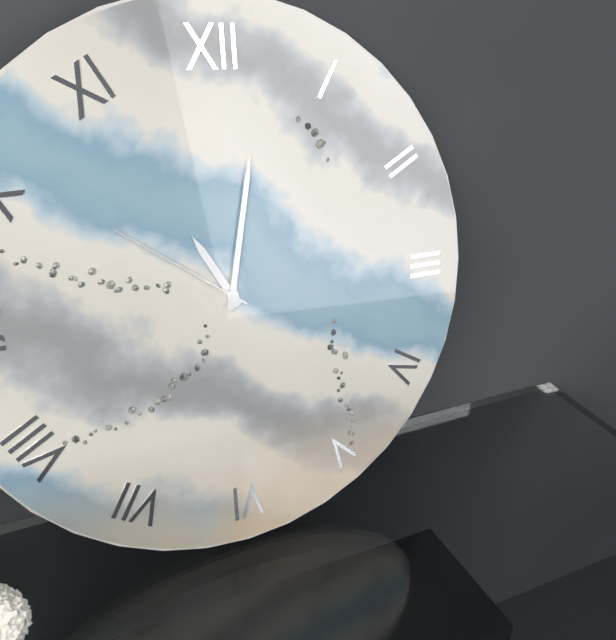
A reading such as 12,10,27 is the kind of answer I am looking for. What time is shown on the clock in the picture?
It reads 11,02,51
